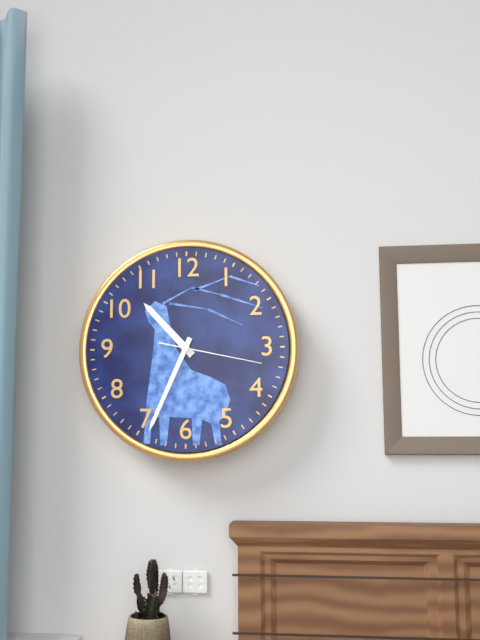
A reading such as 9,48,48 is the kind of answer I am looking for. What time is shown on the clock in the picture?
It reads 10,34,17
